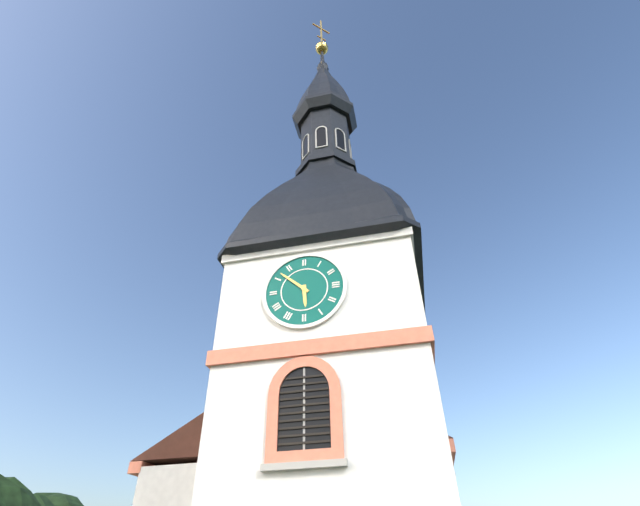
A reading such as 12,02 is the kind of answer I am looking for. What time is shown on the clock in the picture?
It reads 5,52
